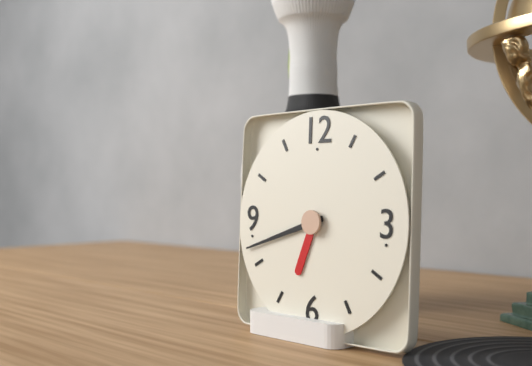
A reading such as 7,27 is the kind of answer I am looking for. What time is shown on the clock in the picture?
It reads 6,42
